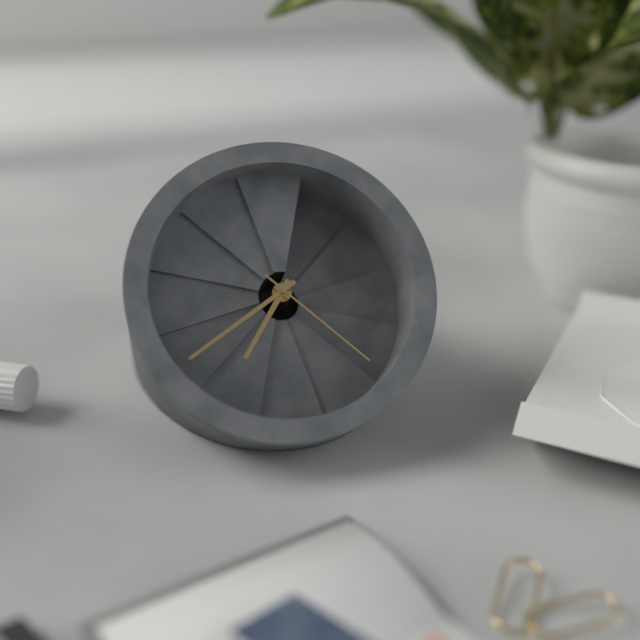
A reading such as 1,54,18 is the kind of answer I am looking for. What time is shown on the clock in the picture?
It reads 6,37,20
